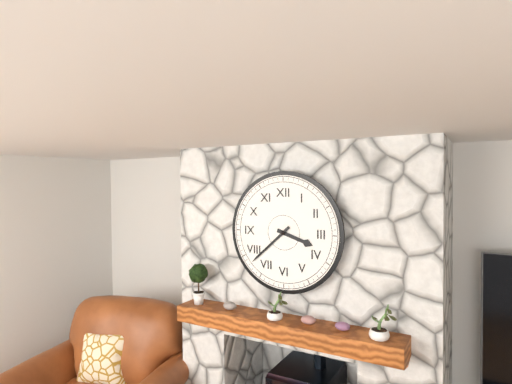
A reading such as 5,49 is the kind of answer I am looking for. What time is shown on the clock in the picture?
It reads 3,38
